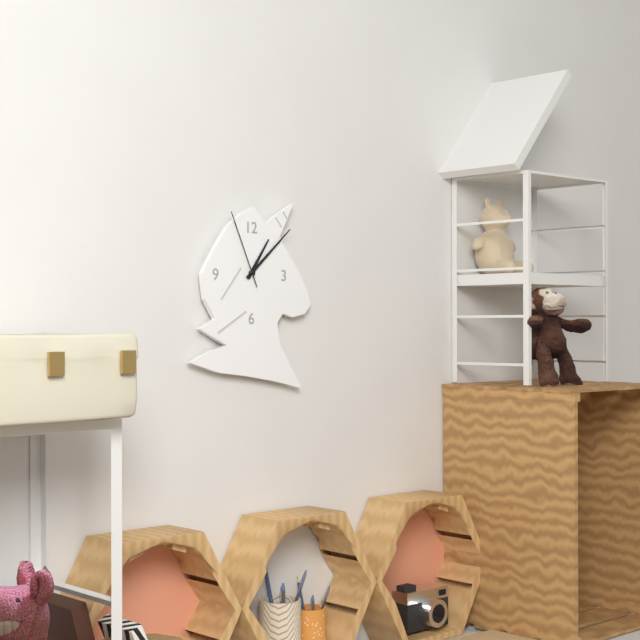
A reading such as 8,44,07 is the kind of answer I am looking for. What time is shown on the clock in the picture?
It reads 1,08,56
